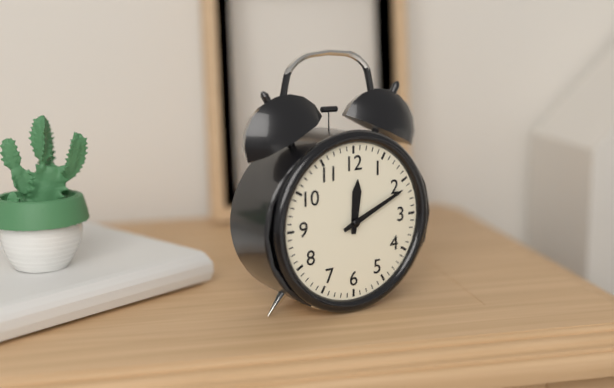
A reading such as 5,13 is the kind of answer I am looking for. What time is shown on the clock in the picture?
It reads 12,11
